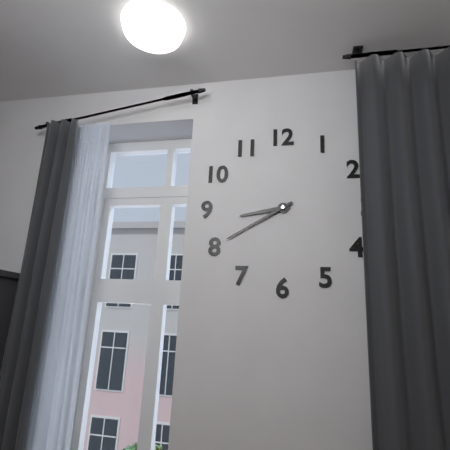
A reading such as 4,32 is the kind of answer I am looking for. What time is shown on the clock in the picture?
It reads 8,40
